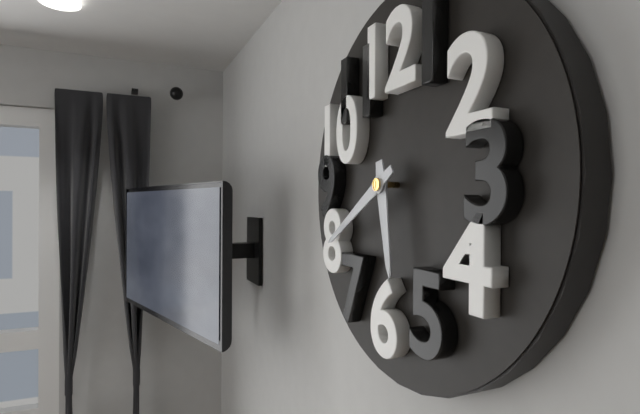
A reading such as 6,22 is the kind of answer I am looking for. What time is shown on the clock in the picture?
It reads 5,40
